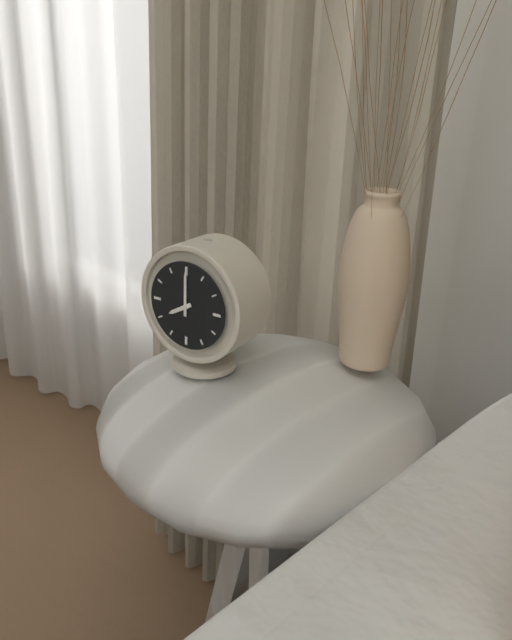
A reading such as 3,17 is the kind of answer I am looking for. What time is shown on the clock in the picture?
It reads 8,00
